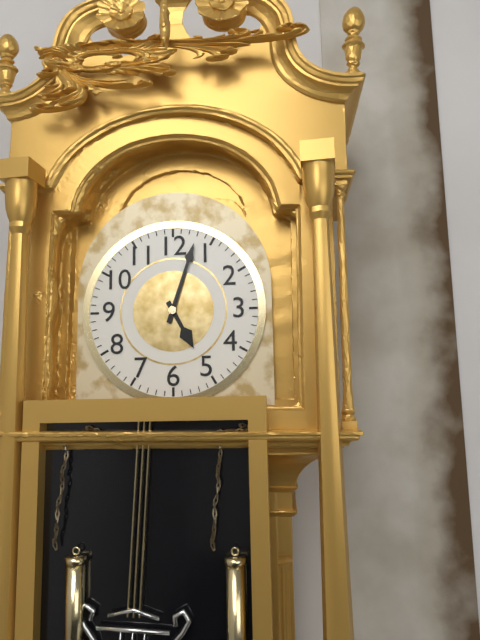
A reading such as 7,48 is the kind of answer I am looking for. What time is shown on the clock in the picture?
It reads 5,03
